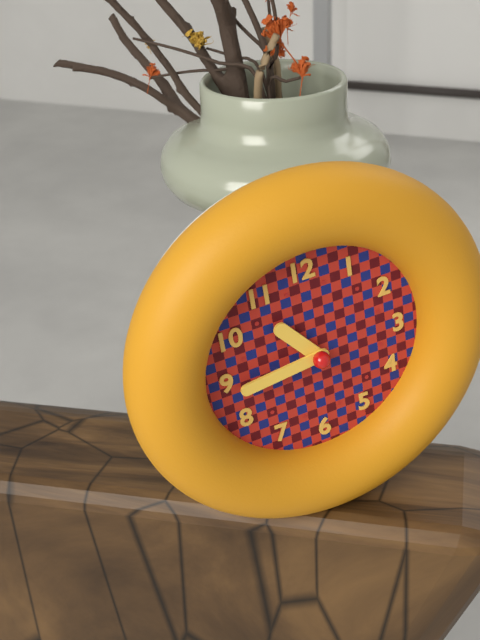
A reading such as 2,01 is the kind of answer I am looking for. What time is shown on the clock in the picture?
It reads 10,44
